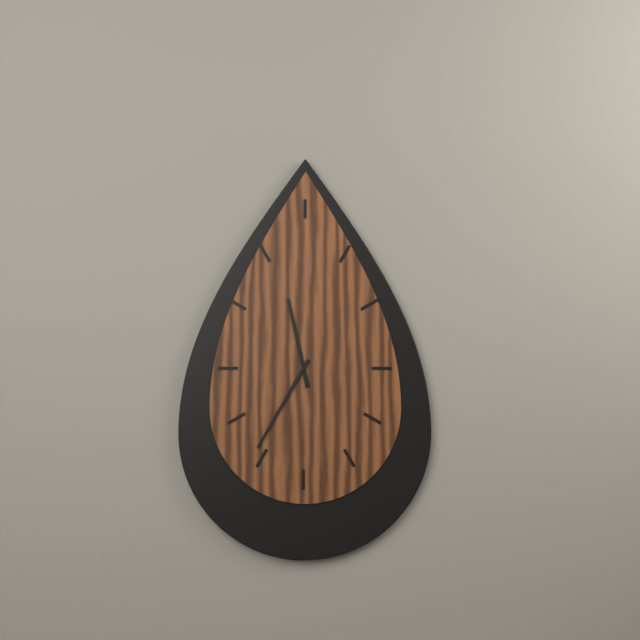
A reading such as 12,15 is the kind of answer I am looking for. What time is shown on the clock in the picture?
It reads 11,35
